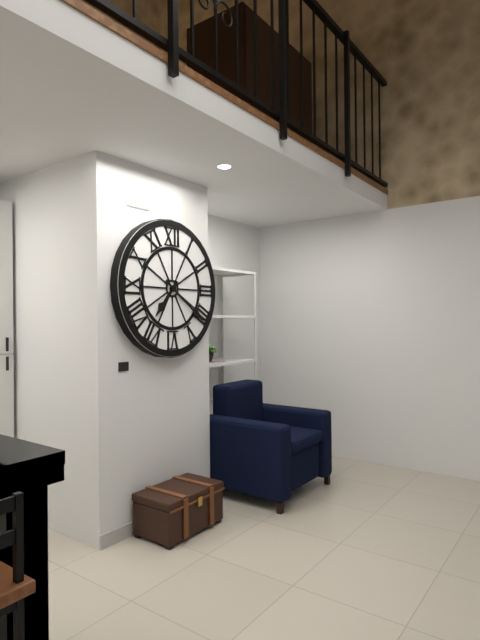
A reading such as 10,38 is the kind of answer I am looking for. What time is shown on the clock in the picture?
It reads 7,21
